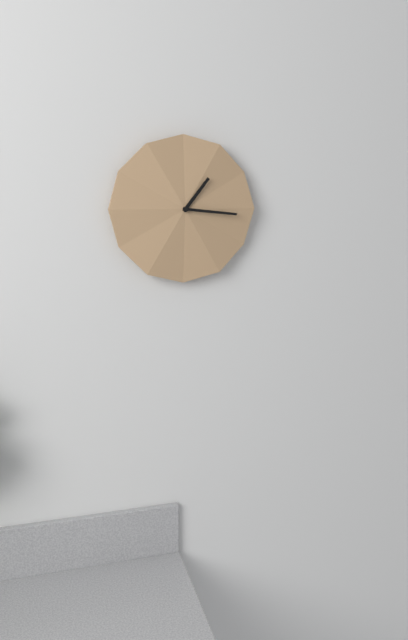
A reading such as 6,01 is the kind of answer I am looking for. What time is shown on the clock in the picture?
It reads 1,16
